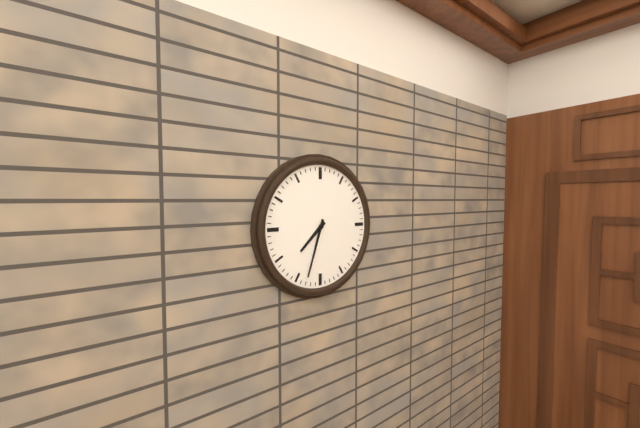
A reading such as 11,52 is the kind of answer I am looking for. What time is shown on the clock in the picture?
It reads 7,33
